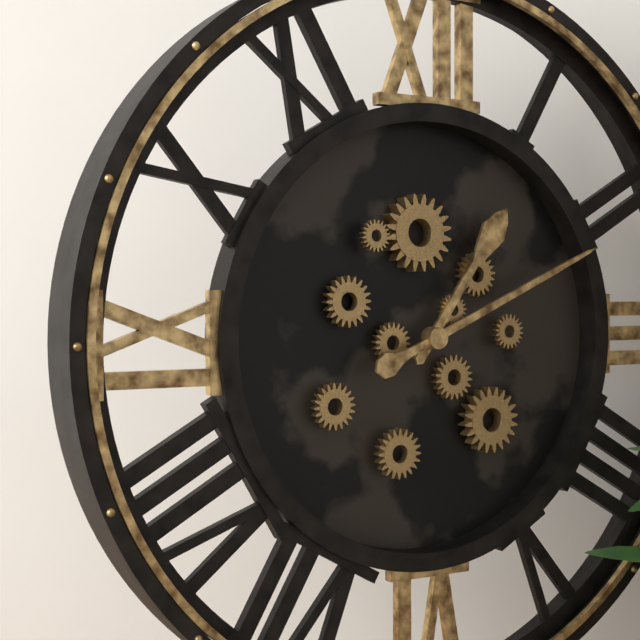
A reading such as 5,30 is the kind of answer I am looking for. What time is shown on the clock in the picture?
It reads 1,11
